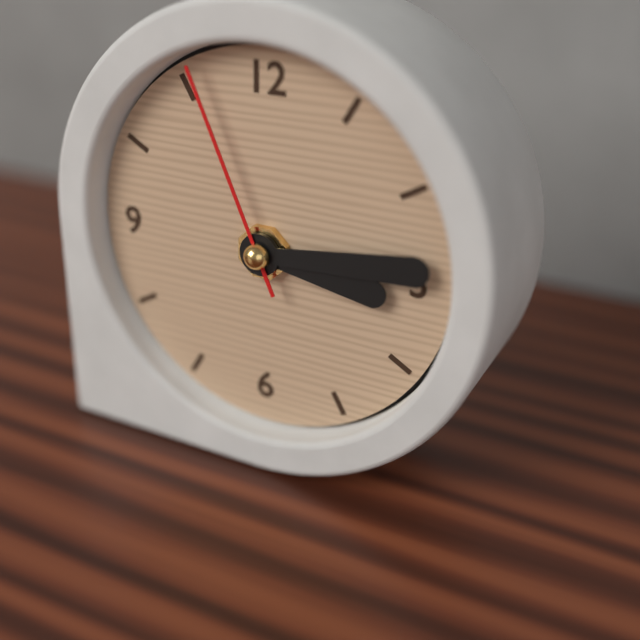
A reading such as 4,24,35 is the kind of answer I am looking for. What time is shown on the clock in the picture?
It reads 3,14,56
